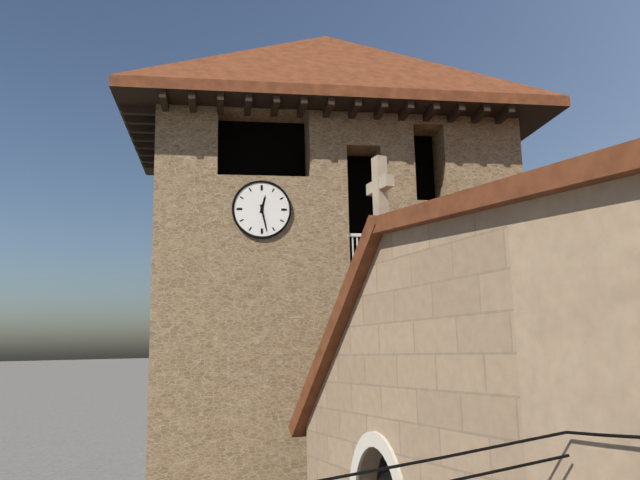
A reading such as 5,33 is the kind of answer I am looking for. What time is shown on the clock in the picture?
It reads 12,28
